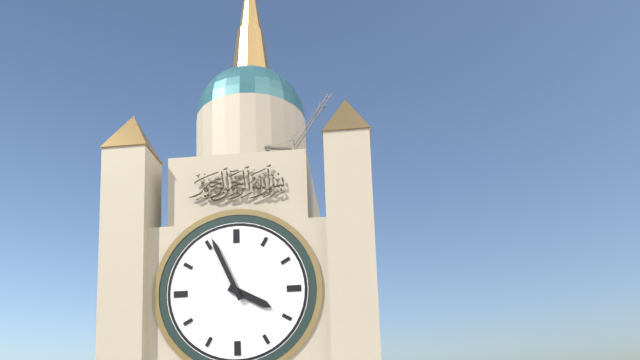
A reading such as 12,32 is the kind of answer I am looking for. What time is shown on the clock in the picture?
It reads 3,56
